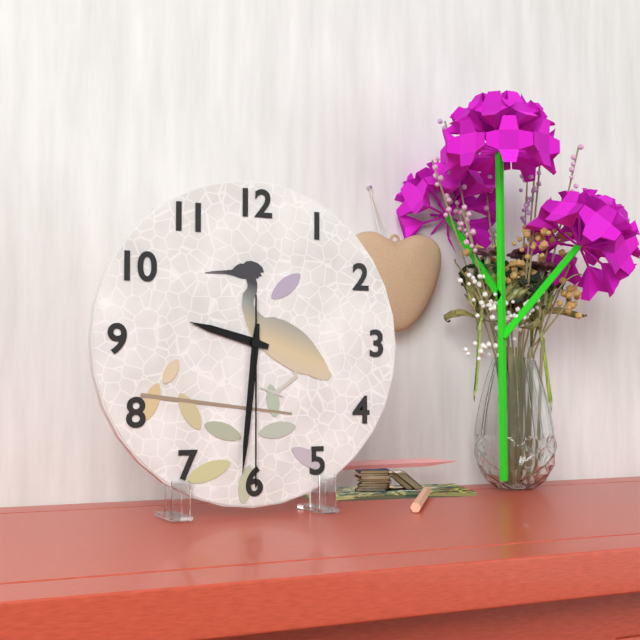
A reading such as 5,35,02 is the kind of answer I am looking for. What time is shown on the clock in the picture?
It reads 9,31,30
